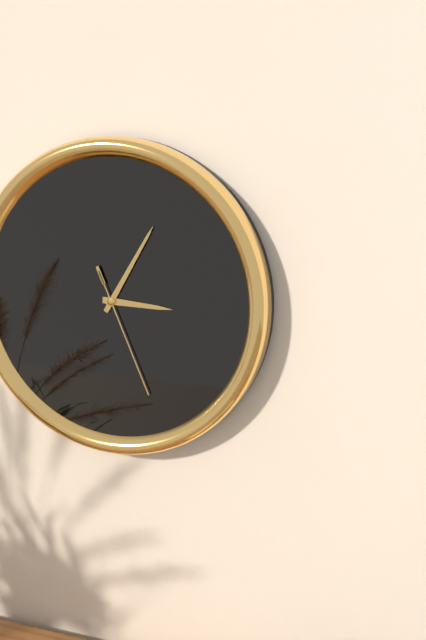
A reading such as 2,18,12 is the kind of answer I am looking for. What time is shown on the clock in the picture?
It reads 3,05,26
